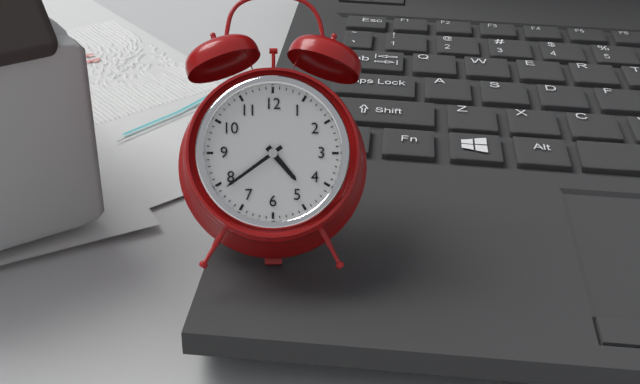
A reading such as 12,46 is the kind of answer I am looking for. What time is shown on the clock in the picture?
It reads 4,39
